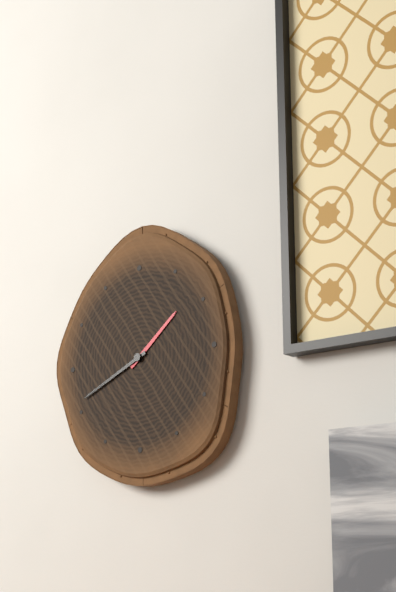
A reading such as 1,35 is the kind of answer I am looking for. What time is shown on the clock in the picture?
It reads 1,41
